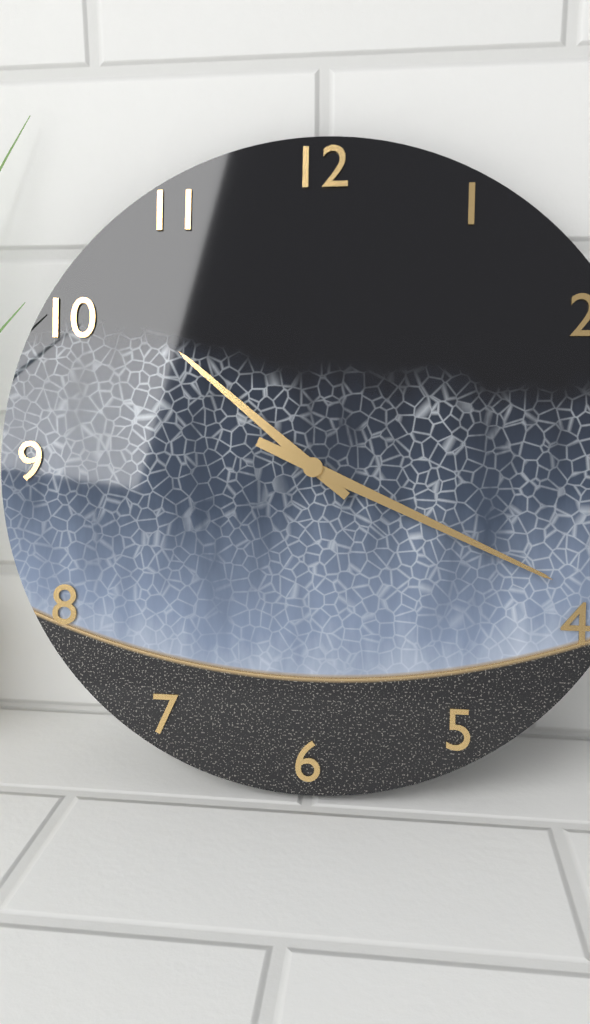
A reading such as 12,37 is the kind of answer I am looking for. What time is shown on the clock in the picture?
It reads 10,19
